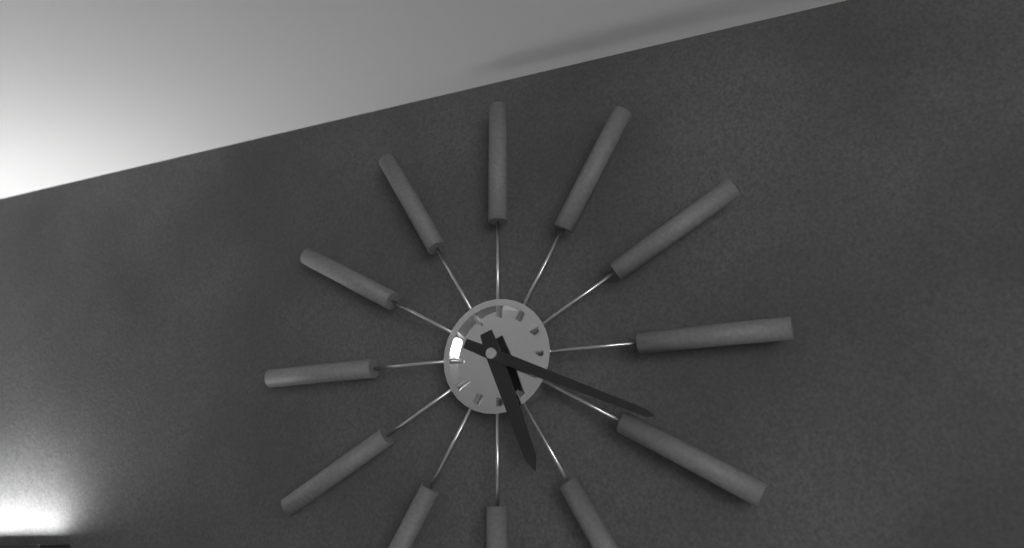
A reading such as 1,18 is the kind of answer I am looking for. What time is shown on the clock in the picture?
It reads 5,19
